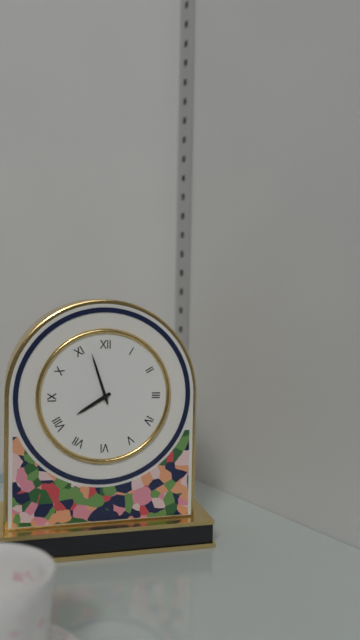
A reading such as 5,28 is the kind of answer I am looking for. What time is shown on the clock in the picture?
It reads 7,57
